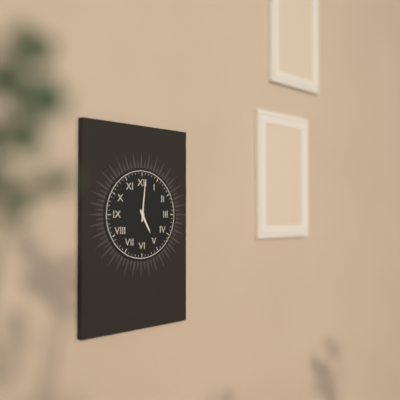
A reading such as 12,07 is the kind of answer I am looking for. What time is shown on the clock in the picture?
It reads 5,01
